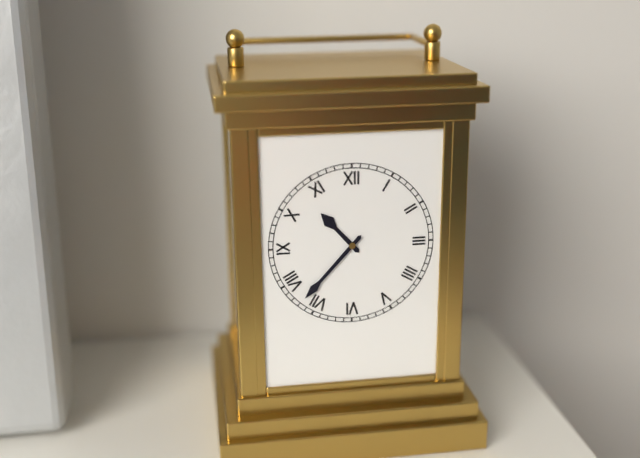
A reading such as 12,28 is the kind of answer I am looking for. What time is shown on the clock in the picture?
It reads 10,37
